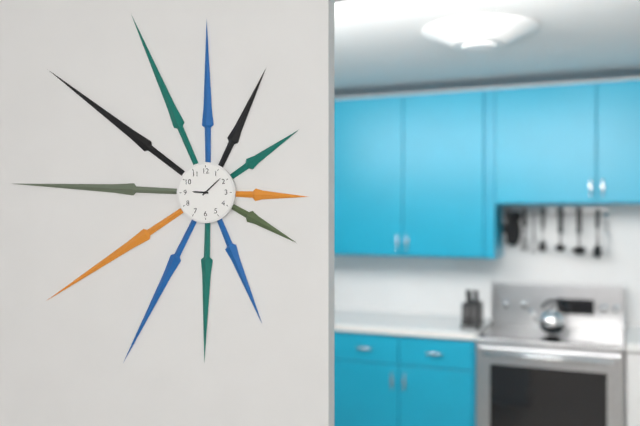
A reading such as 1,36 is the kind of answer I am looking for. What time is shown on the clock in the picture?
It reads 9,08
